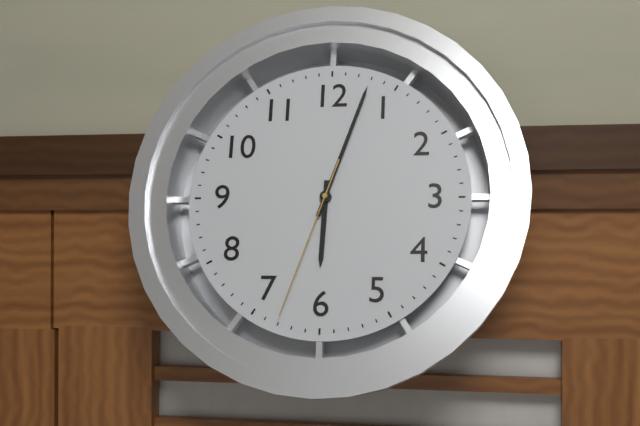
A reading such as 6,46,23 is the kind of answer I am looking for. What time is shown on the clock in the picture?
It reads 6,03,33
